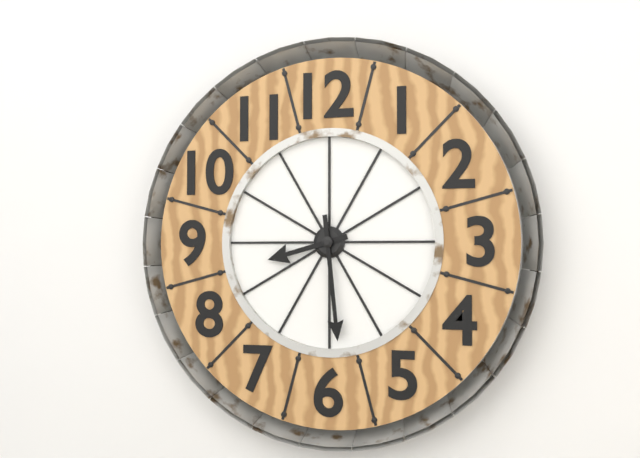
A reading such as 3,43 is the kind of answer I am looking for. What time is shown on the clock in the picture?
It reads 8,29
